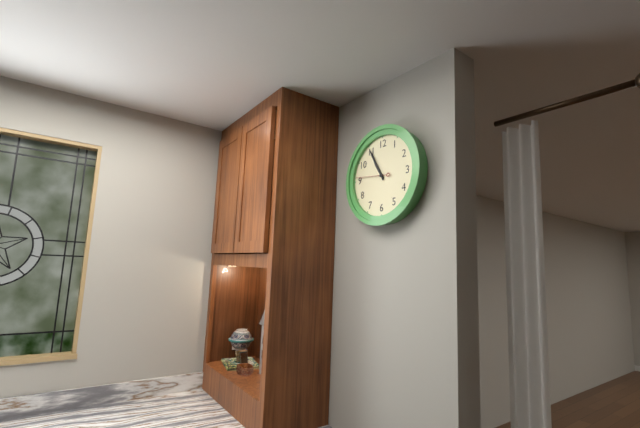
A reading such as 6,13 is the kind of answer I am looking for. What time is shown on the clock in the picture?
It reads 10,55
